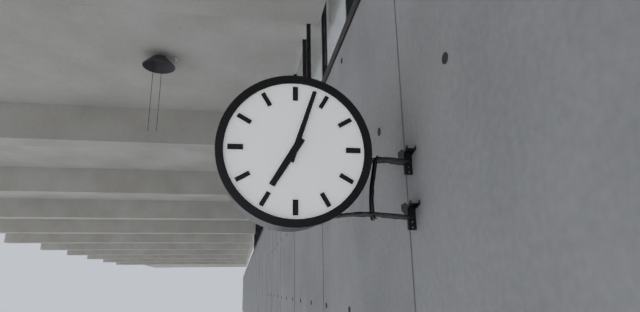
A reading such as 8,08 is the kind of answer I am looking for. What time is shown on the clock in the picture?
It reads 7,03
